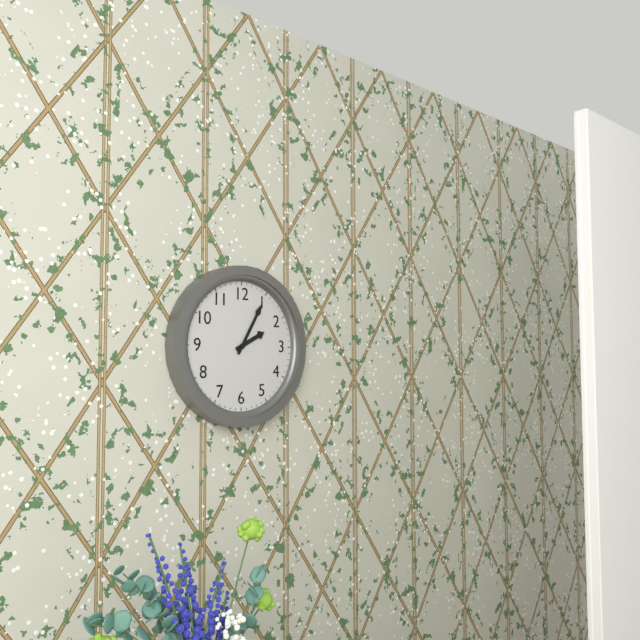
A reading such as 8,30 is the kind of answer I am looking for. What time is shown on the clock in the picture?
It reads 2,05
